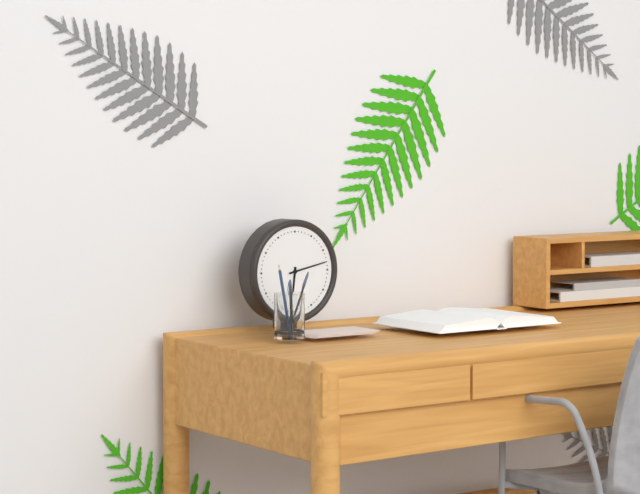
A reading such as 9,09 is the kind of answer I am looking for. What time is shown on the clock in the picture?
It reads 6,13
